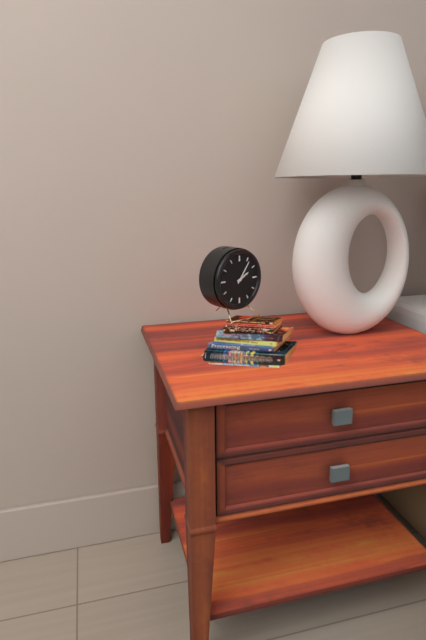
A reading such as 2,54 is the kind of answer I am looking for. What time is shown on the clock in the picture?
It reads 2,06
